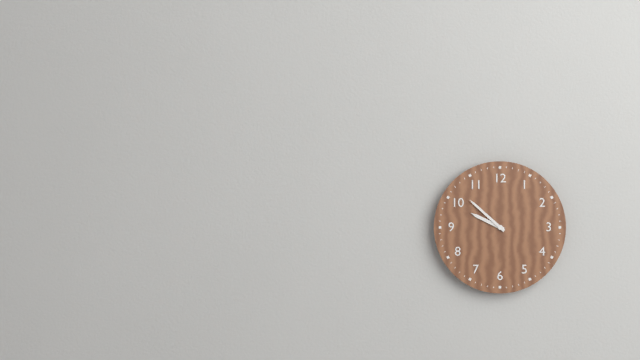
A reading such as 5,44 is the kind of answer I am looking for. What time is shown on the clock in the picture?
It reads 9,52
